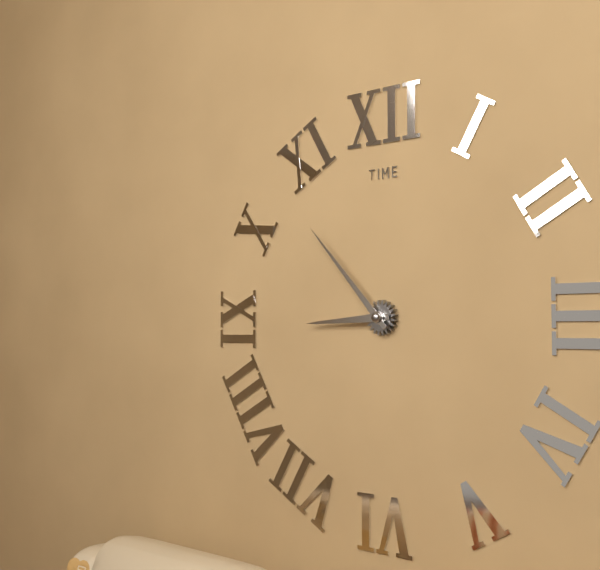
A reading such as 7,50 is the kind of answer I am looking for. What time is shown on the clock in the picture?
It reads 8,53
